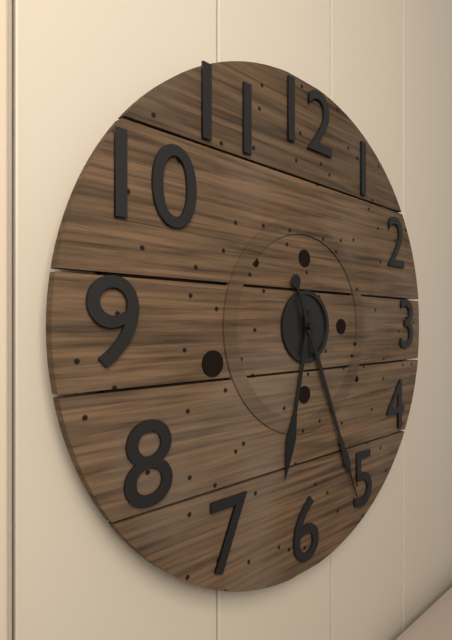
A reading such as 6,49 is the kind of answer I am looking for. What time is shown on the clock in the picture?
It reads 6,26
